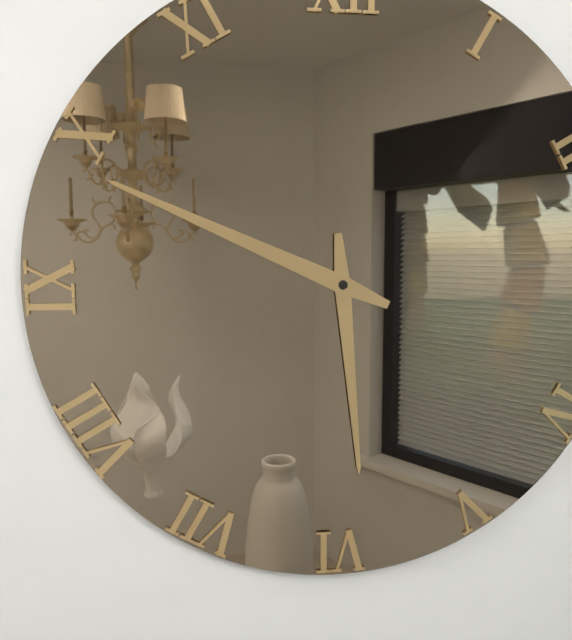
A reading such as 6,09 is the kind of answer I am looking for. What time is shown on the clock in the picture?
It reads 5,49
